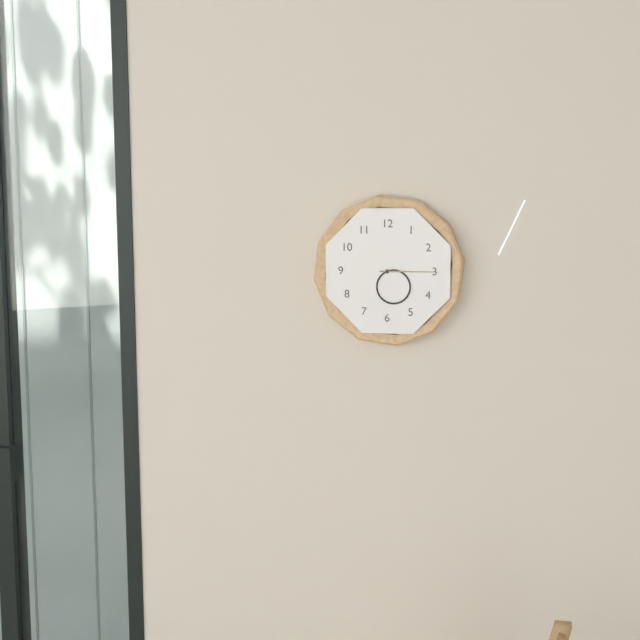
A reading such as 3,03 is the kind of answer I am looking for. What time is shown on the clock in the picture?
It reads 5,15
